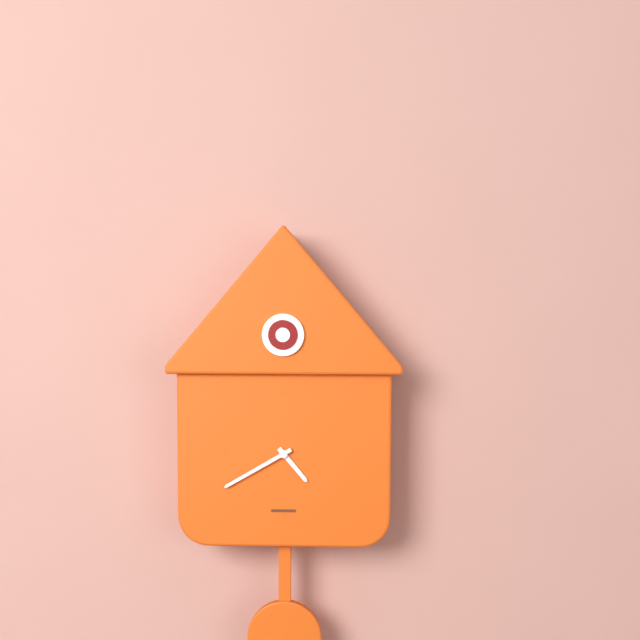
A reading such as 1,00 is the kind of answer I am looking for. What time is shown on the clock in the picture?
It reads 4,40
